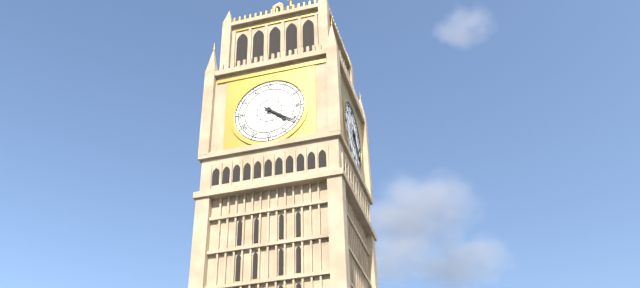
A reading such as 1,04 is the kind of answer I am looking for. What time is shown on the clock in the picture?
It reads 4,21
